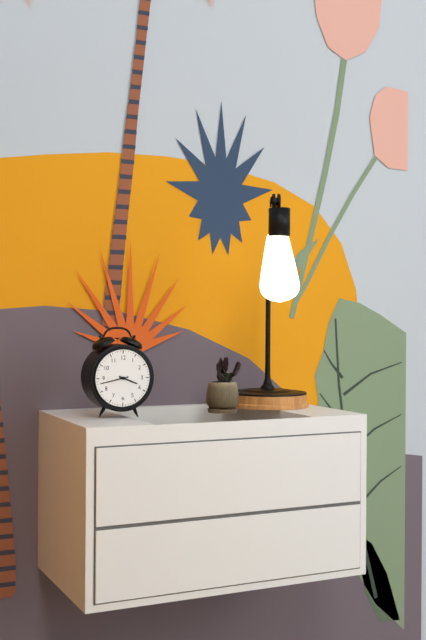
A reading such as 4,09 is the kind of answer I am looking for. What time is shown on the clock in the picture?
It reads 3,43
